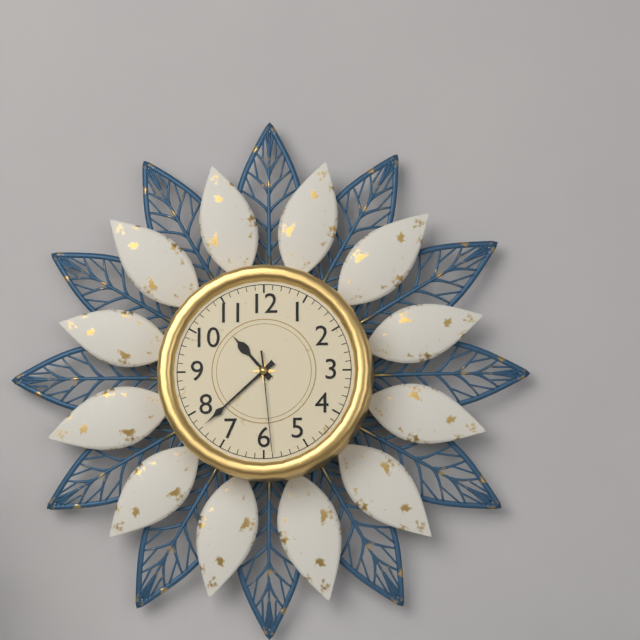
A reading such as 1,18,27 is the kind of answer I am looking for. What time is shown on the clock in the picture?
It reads 10,38,29
